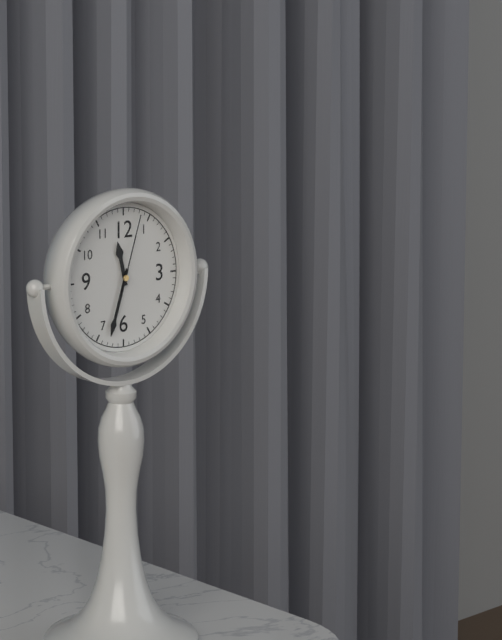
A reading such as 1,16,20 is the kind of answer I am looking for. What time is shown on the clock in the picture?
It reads 11,33,03
